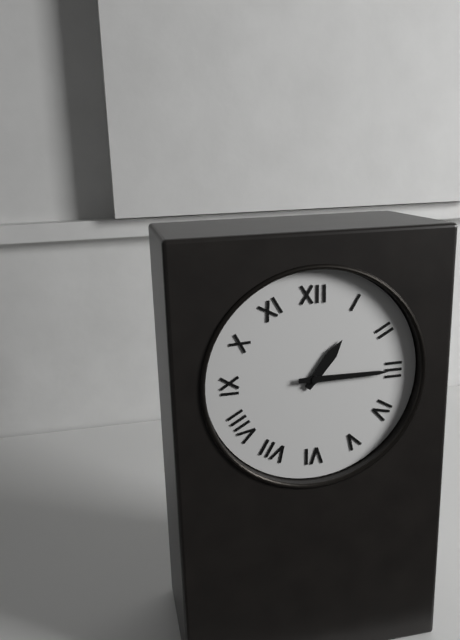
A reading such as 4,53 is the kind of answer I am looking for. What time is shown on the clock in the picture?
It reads 1,15
